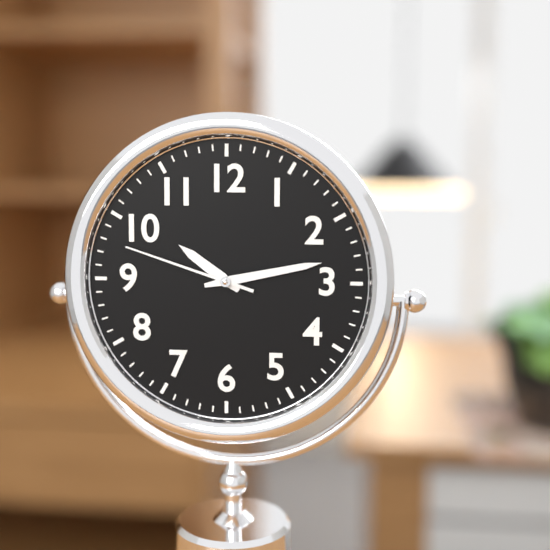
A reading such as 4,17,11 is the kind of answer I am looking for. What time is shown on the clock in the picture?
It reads 10,13,48
